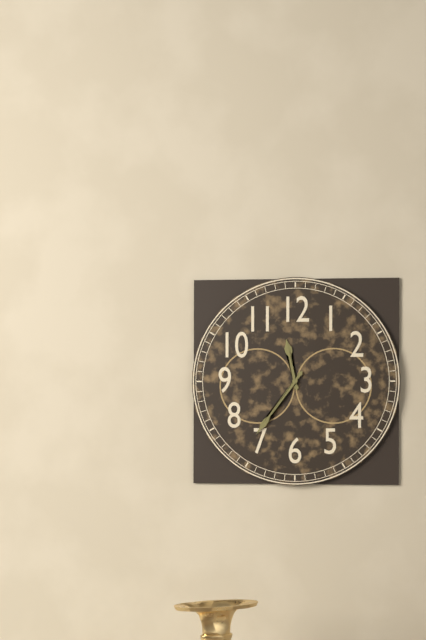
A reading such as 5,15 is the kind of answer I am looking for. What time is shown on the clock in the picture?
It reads 11,36
